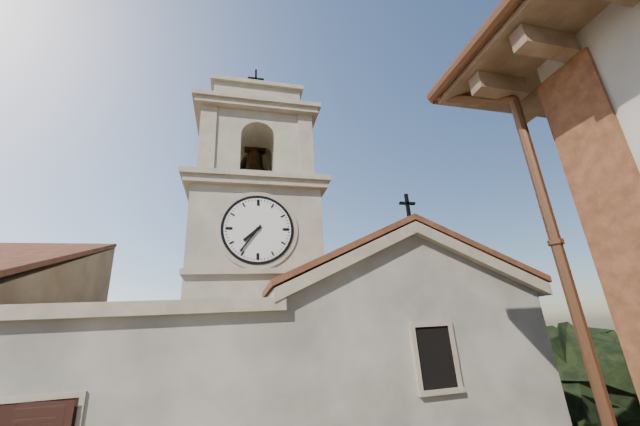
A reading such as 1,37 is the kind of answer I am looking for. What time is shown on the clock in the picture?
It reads 7,36
